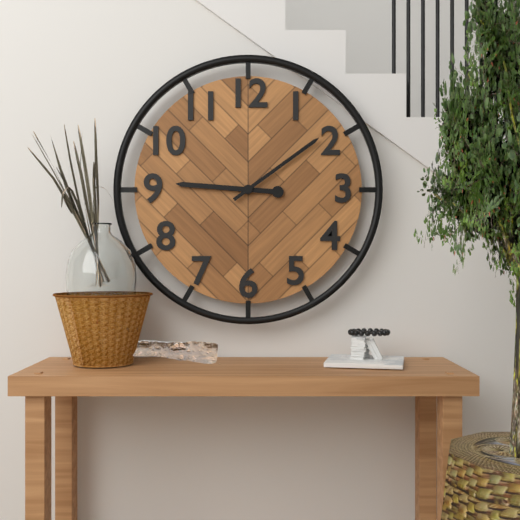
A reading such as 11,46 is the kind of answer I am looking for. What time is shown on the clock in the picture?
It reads 9,09
